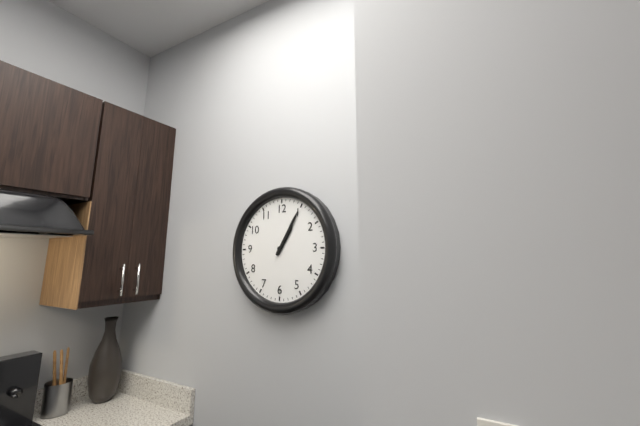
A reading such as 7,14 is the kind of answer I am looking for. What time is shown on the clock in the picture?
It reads 1,05
